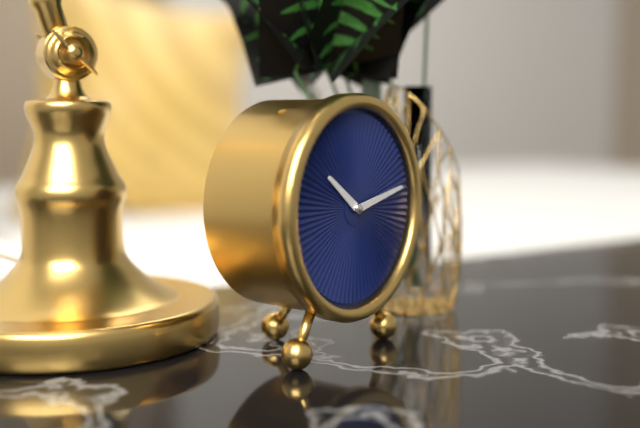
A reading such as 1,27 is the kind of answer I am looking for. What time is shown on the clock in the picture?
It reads 10,13
